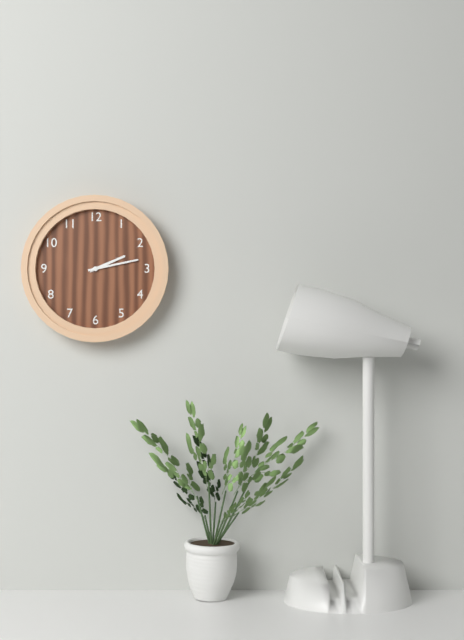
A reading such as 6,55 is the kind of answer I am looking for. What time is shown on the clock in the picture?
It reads 2,13
